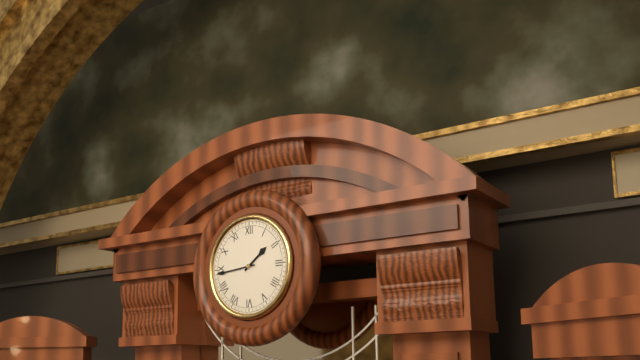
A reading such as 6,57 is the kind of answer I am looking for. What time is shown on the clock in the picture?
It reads 1,44
